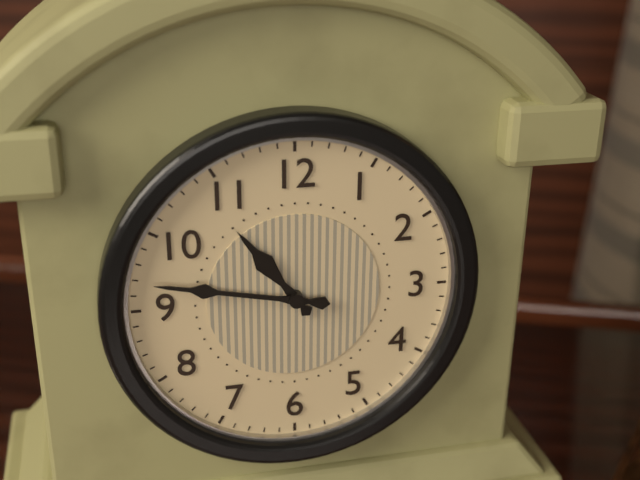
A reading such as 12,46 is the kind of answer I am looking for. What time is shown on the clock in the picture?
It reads 10,47
